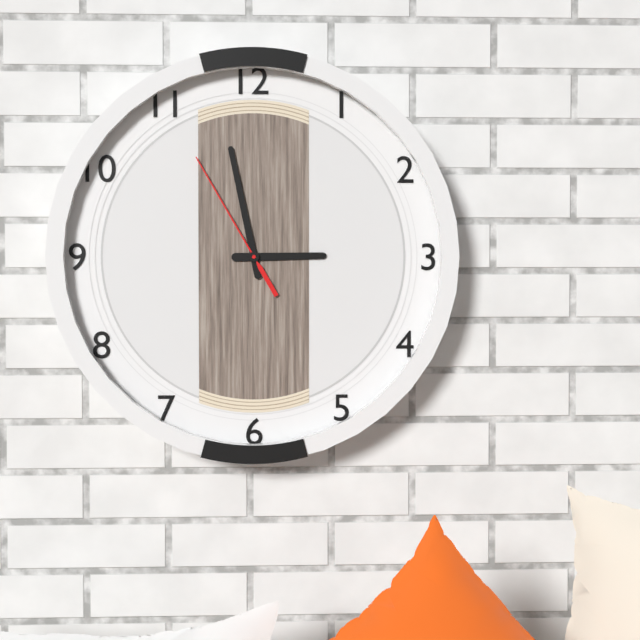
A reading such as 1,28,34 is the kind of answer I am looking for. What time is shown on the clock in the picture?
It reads 2,58,55
